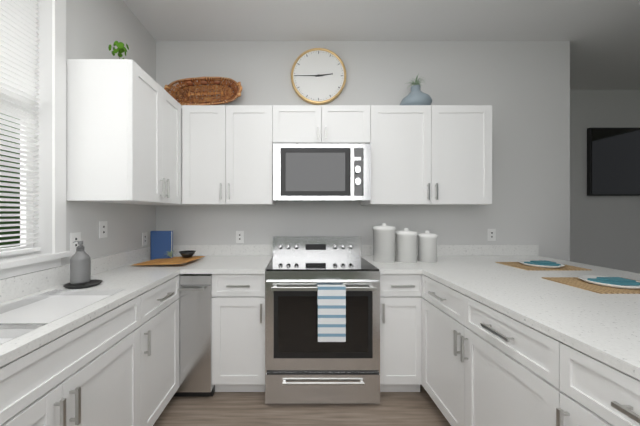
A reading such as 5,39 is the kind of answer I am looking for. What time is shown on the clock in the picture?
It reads 2,45
